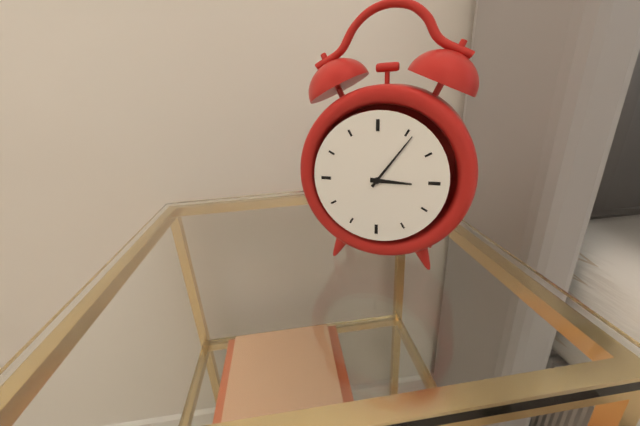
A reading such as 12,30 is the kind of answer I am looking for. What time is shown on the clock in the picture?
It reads 3,06
